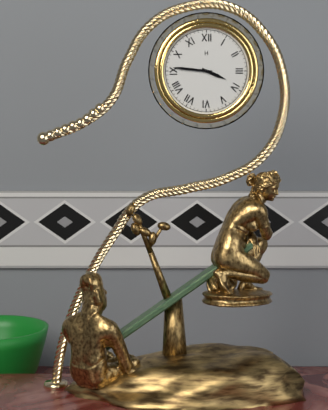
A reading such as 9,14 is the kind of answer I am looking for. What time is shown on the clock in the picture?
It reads 3,46
